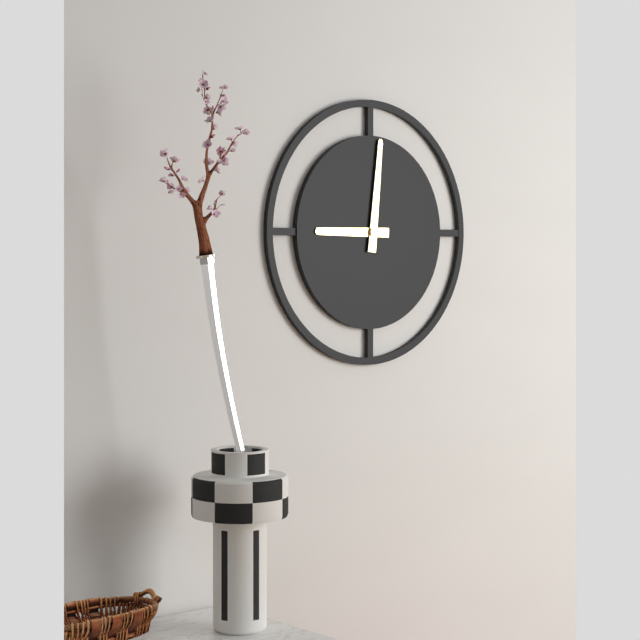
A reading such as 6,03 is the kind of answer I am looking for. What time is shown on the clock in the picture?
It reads 9,01
